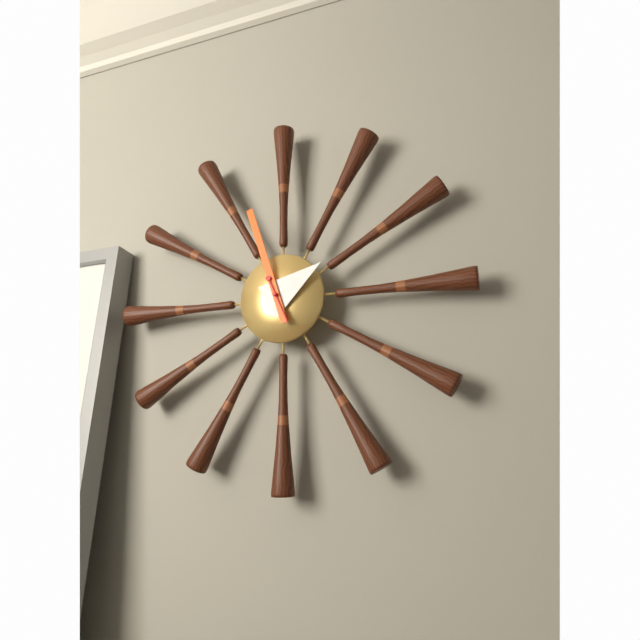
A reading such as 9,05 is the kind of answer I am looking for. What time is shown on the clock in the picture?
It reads 1,57
